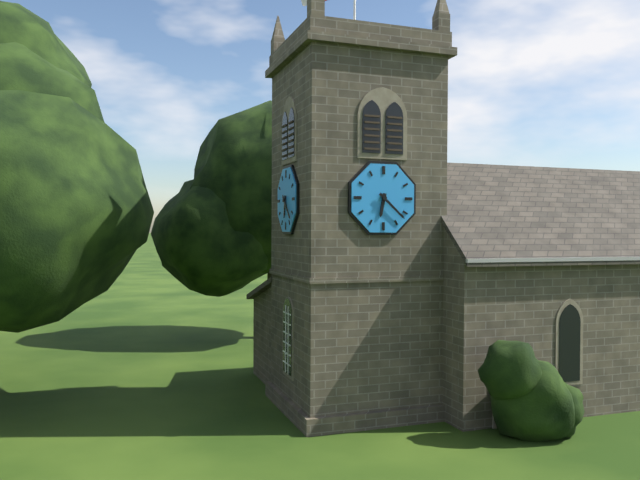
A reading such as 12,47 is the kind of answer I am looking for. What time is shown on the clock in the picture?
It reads 6,22
